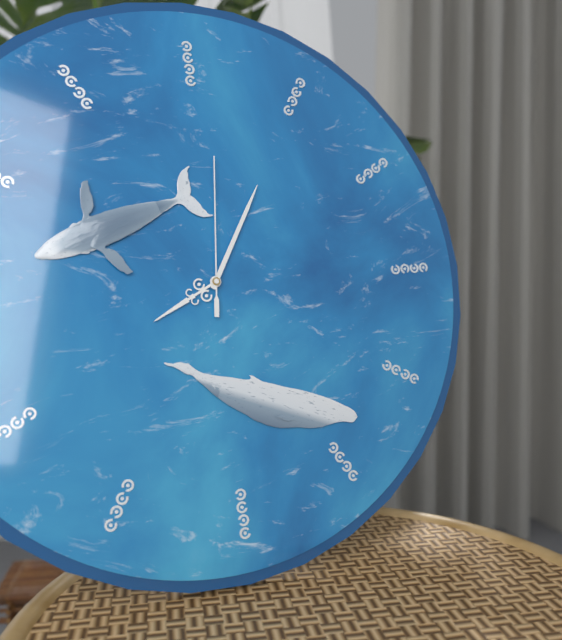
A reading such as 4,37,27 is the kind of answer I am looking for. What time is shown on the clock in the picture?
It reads 8,05,01
